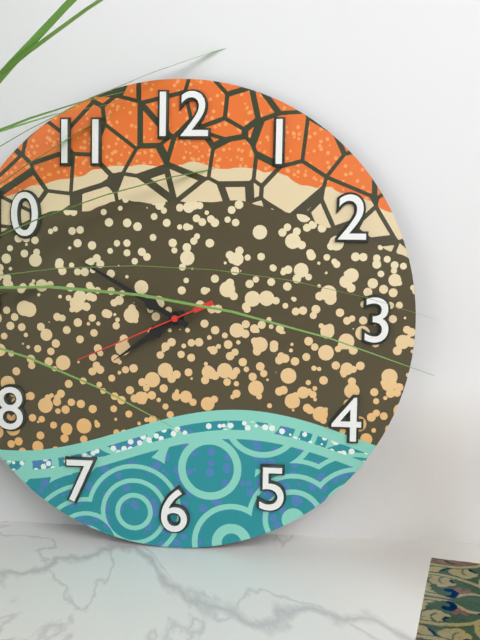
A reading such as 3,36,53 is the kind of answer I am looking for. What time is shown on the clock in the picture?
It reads 7,50,41
